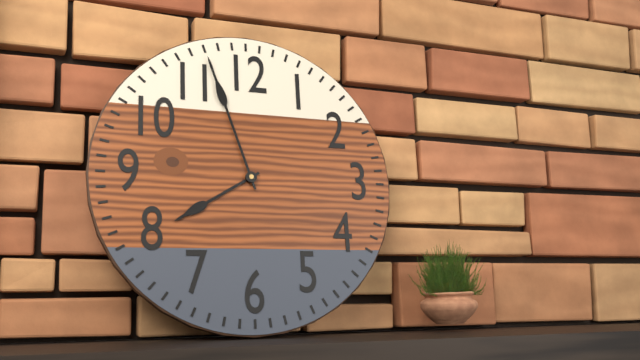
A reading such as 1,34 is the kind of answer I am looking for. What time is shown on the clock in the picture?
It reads 7,57
